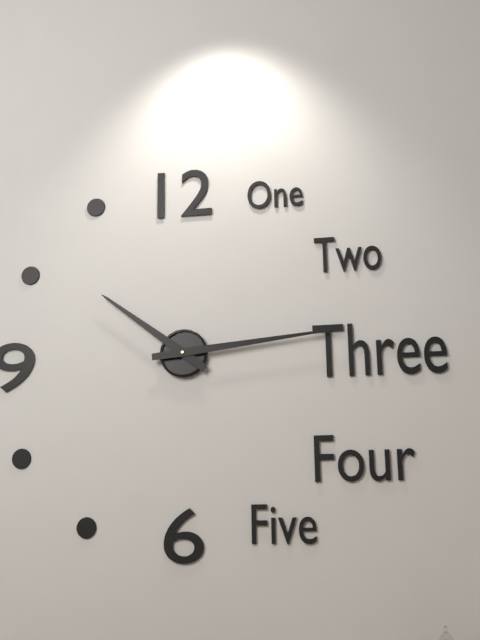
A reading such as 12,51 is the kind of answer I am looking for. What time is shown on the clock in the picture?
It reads 10,14
